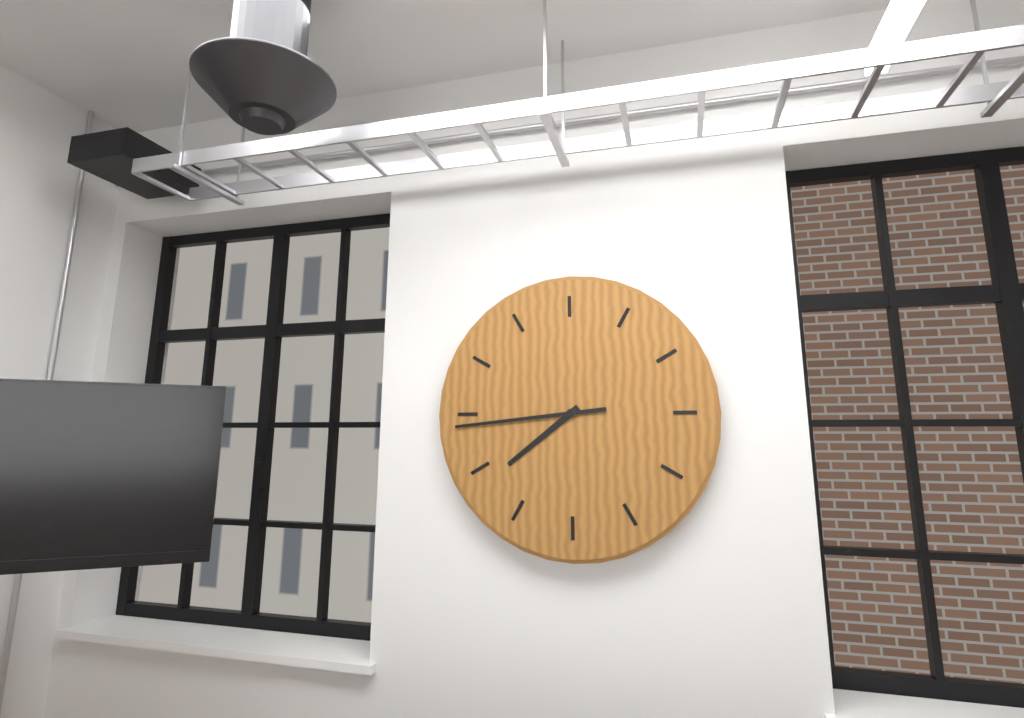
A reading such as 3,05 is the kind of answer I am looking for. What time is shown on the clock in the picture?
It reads 7,44
